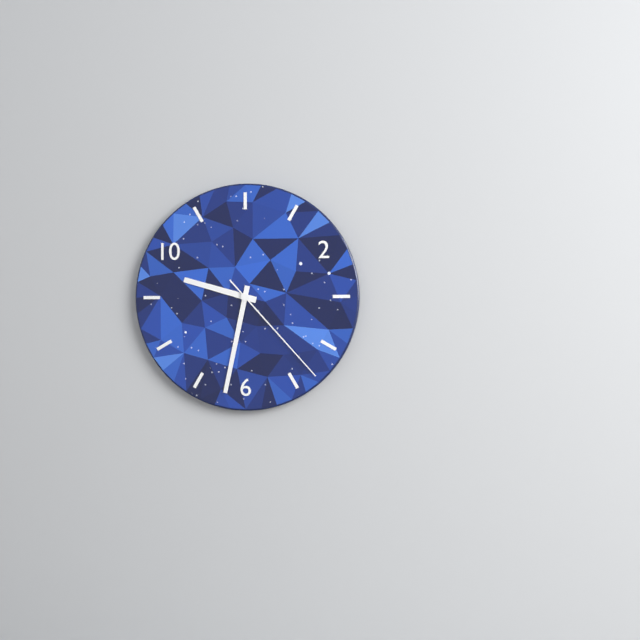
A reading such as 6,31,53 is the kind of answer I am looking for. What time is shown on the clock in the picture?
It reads 9,32,23
